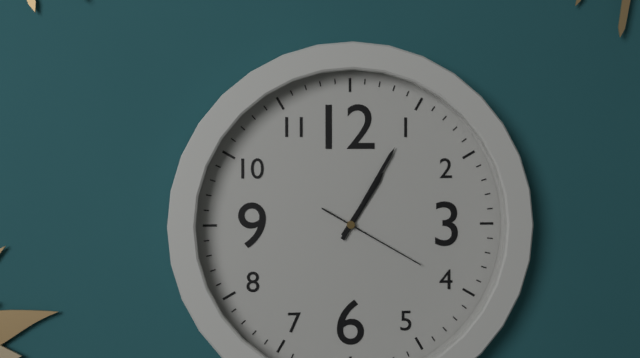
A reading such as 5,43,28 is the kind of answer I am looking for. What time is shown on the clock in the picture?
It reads 1,05,20
